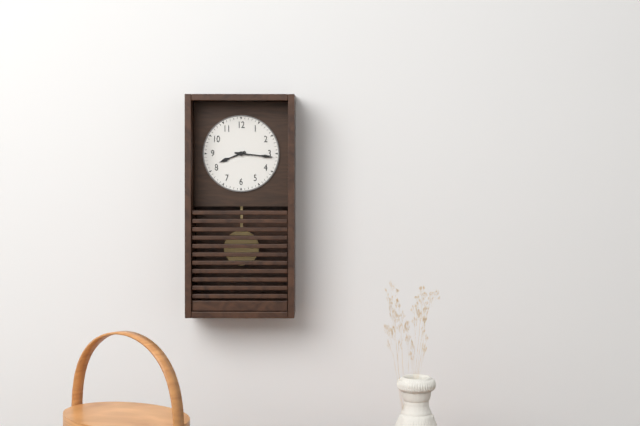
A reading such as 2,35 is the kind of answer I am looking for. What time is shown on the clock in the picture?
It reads 8,16
